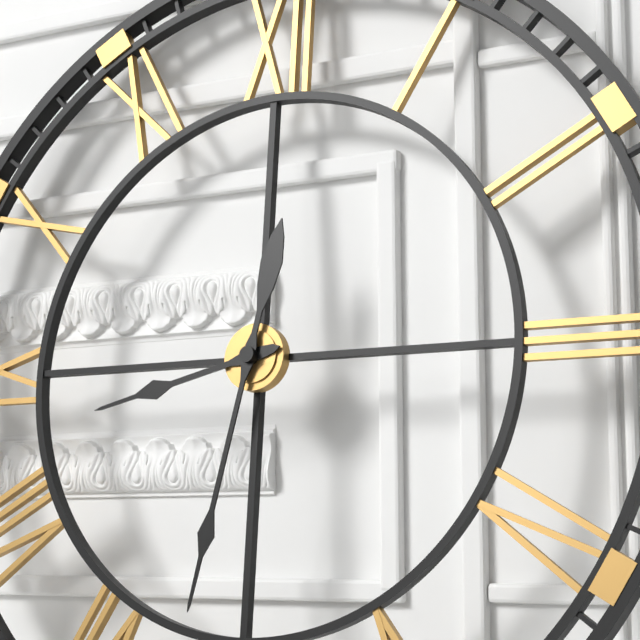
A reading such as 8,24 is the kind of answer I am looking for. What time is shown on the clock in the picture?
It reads 8,32
